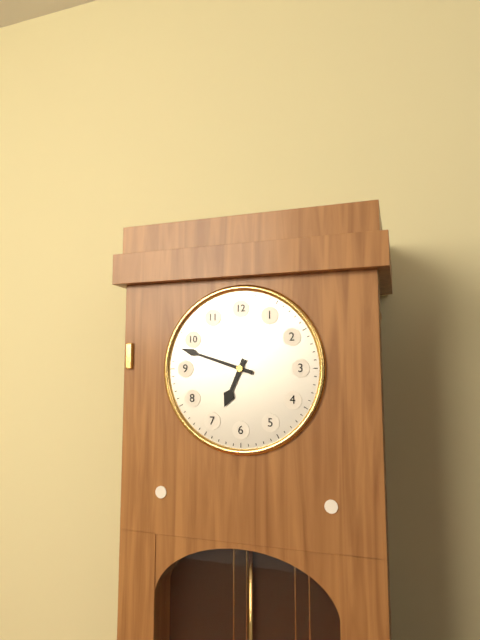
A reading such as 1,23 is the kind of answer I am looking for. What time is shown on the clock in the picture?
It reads 6,48
